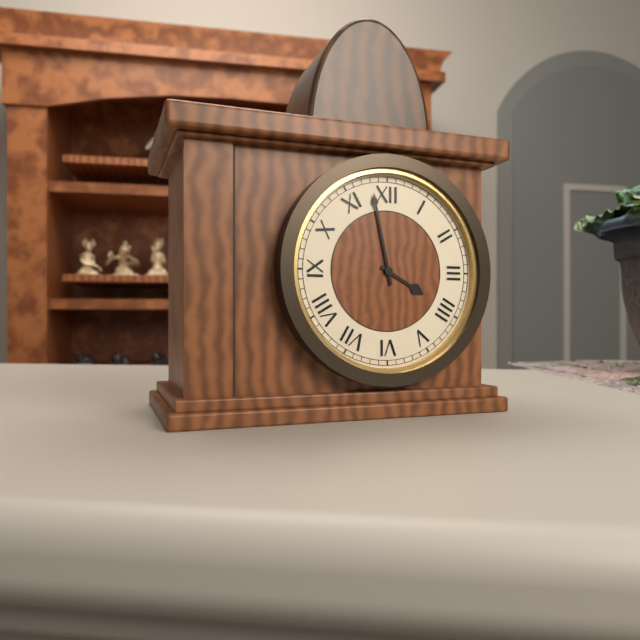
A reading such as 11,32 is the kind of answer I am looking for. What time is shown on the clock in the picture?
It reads 3,58
